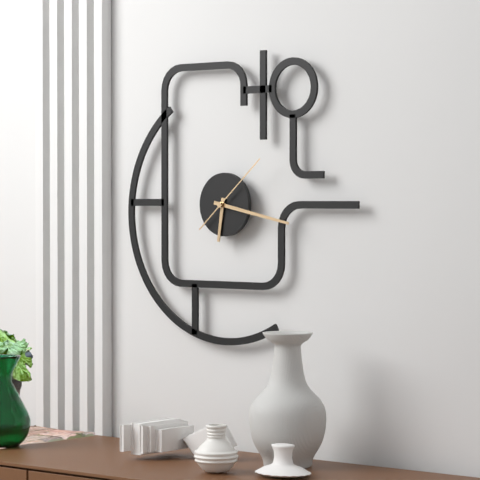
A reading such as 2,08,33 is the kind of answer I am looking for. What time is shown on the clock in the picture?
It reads 6,17,08
